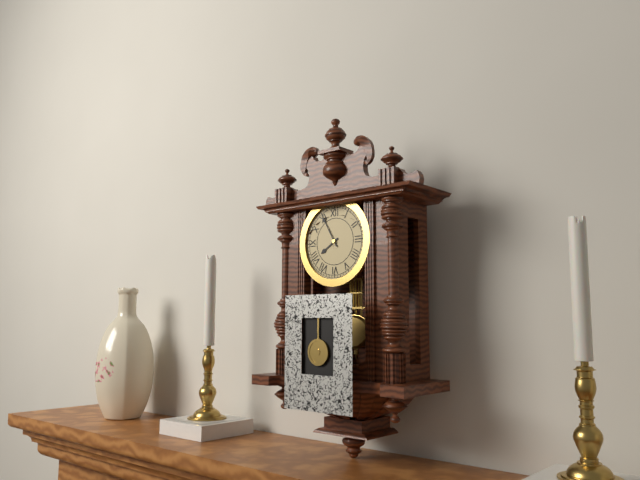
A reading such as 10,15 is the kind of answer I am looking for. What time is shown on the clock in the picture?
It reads 7,55
